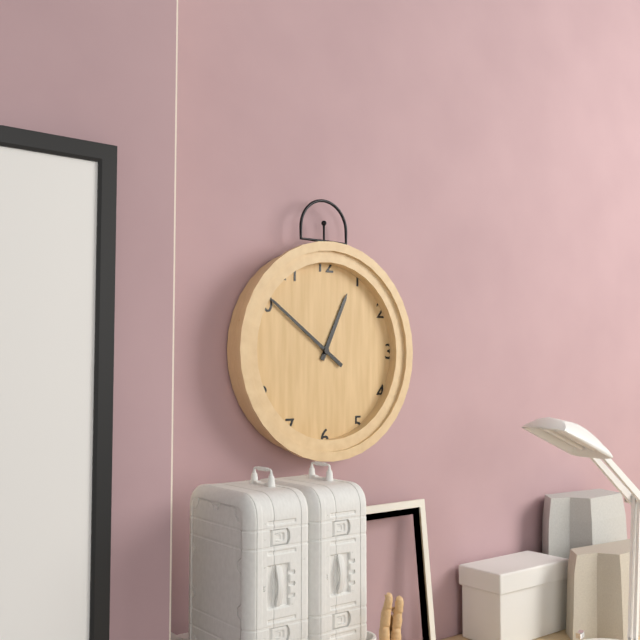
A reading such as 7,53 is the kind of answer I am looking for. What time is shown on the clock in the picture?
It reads 12,51
